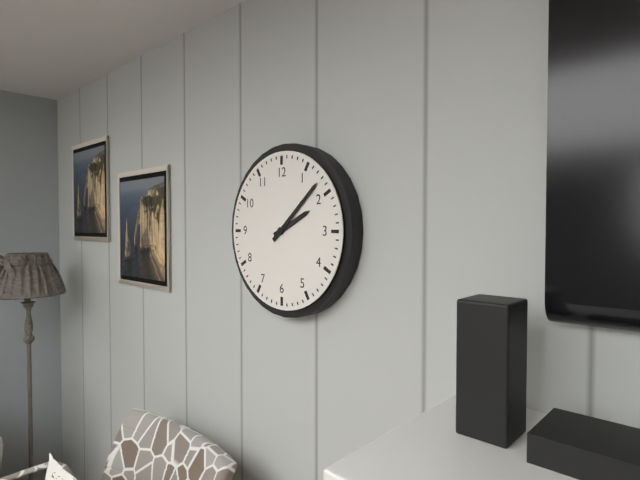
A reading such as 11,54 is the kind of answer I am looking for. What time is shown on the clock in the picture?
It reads 2,08
